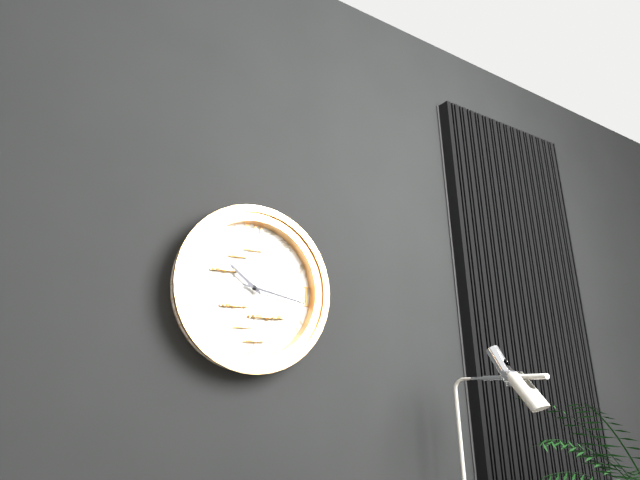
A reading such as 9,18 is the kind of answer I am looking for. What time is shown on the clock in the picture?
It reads 10,17
